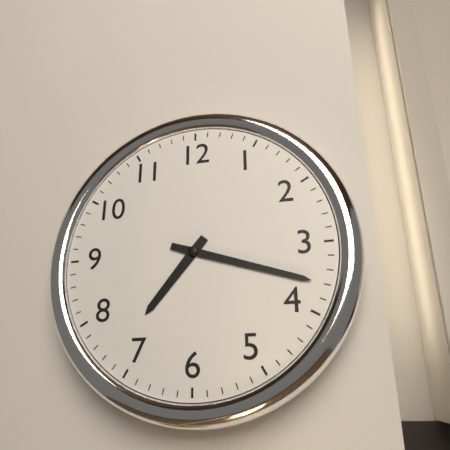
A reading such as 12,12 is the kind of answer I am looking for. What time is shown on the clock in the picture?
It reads 7,18
